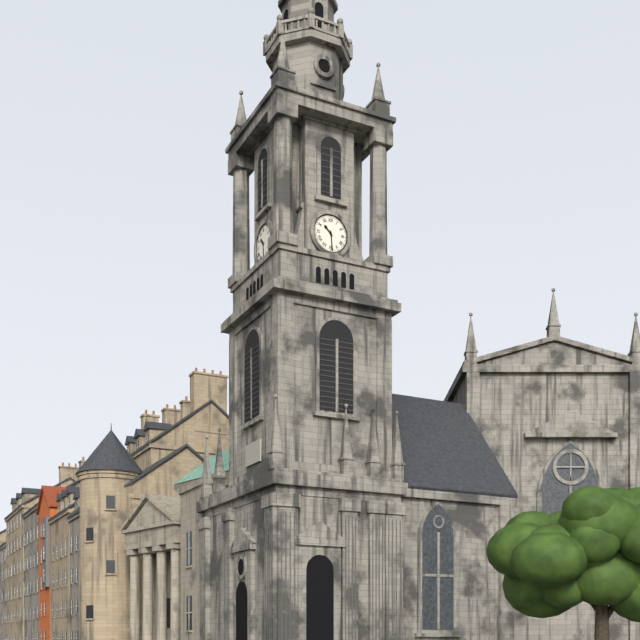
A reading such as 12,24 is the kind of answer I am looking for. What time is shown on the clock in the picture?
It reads 10,29
